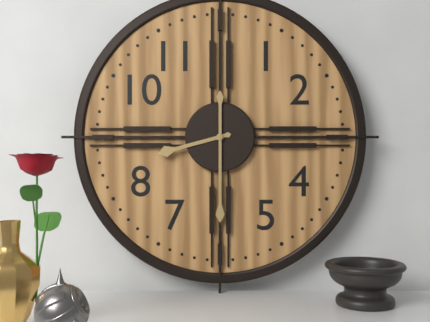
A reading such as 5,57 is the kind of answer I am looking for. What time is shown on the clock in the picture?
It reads 8,30
